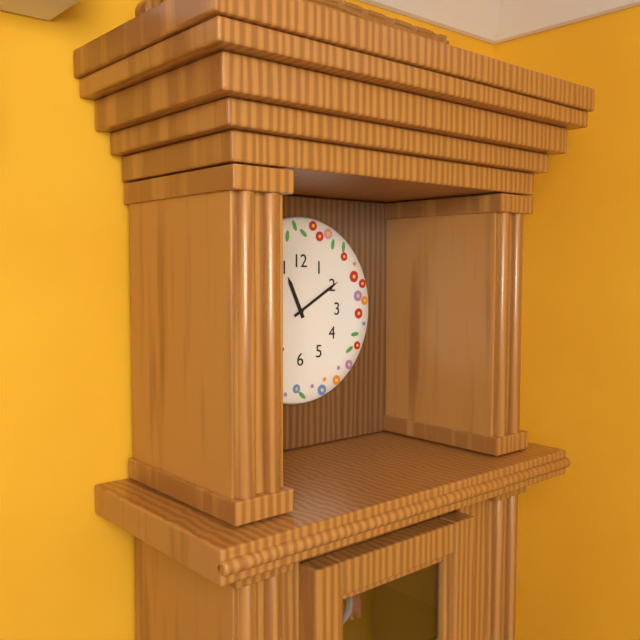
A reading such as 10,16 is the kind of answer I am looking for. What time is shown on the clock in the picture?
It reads 11,10
